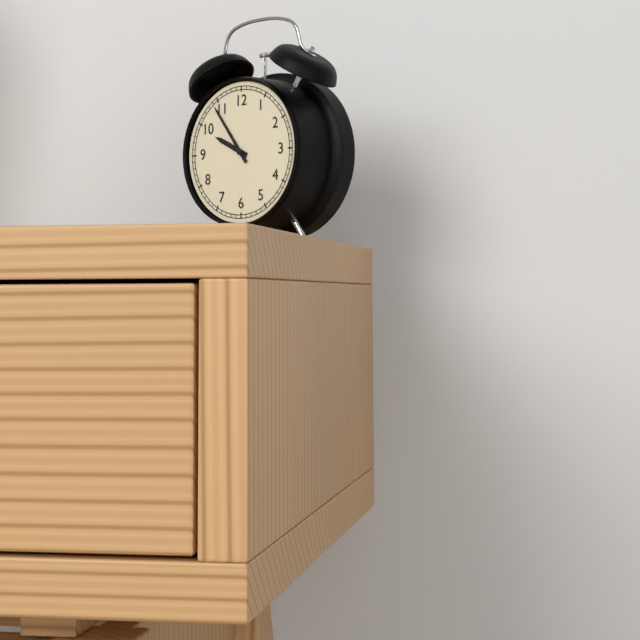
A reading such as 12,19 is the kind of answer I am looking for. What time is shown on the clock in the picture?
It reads 9,54
